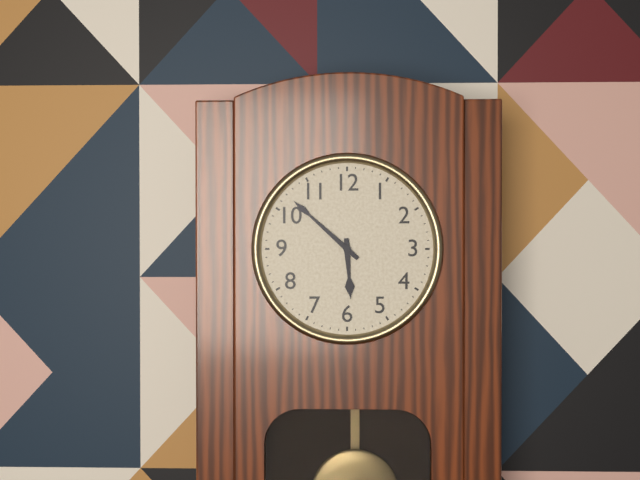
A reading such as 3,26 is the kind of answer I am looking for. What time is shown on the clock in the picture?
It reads 5,52
